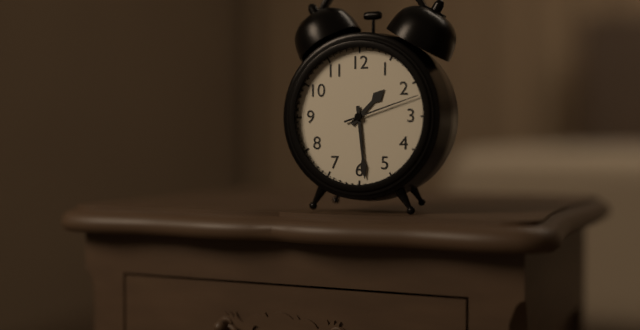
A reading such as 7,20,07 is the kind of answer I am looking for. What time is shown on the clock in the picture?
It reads 1,29,12
